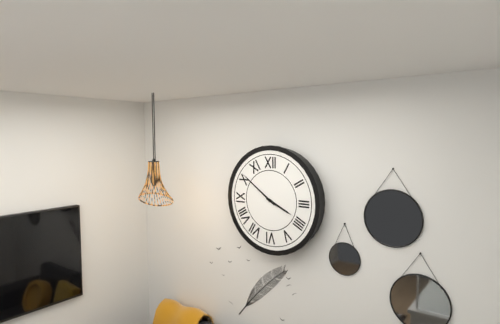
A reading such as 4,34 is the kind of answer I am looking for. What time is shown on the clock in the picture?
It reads 3,51
